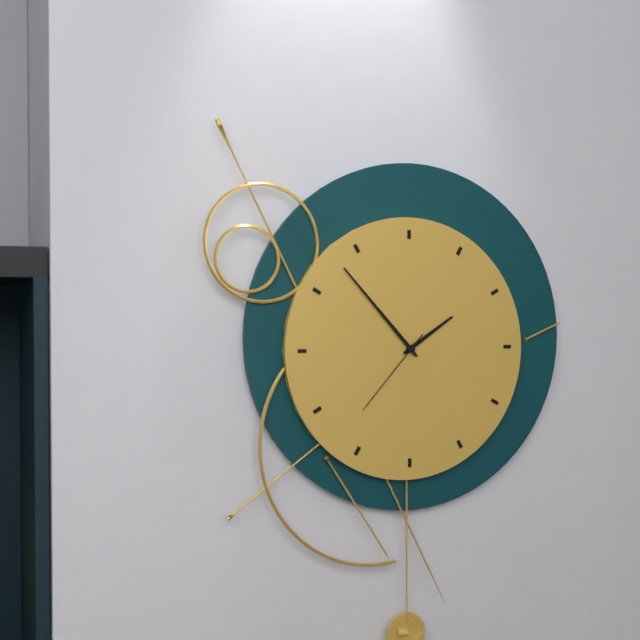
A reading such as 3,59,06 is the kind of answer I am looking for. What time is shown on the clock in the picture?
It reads 1,53,37
